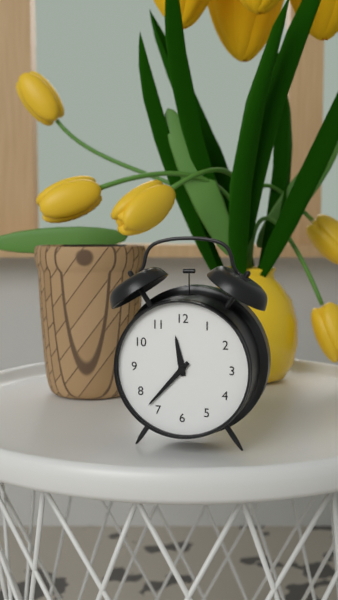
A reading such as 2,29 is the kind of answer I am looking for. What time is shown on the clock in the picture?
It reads 11,37
